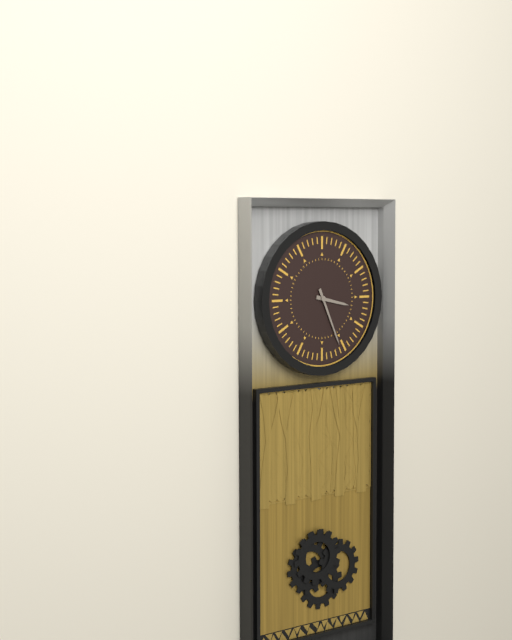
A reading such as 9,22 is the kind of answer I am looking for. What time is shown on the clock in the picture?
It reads 3,26
